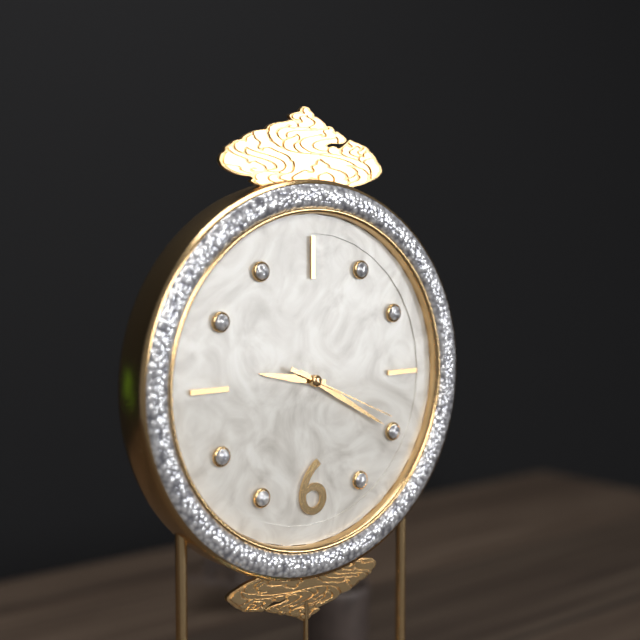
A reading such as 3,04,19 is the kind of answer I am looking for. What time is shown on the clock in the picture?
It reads 9,20,19
